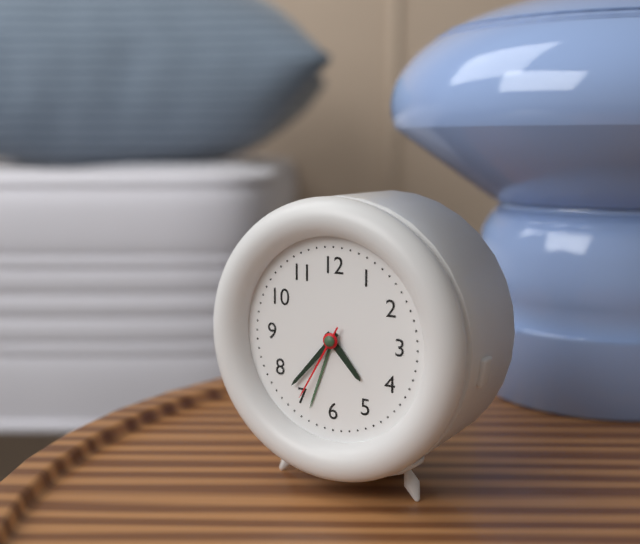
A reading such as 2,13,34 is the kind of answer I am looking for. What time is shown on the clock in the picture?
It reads 4,37,35
